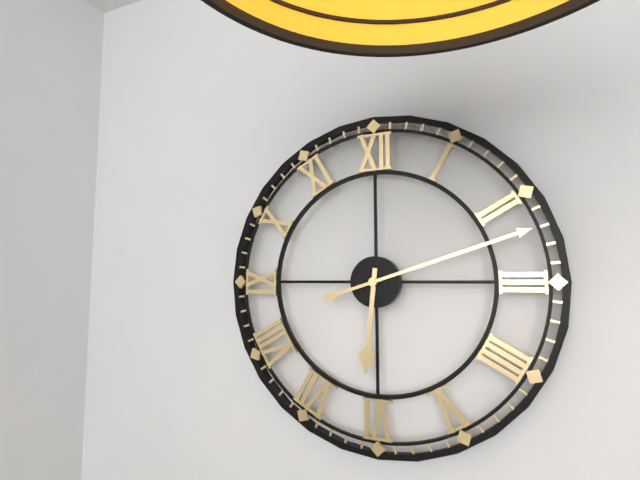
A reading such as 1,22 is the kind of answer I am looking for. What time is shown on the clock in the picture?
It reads 6,12
